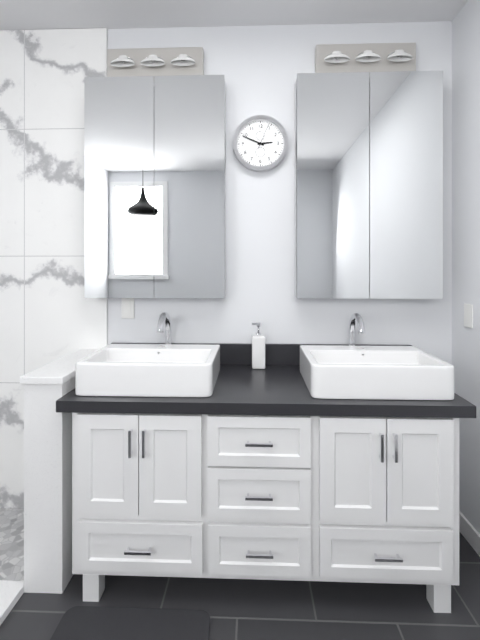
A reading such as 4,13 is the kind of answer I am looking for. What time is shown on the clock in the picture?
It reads 2,49
